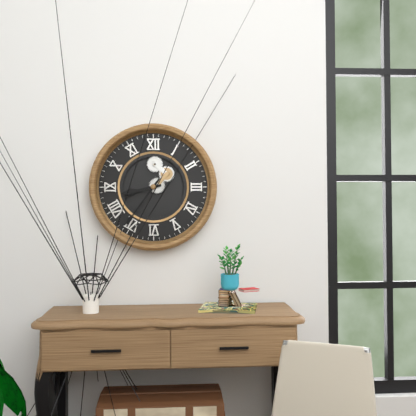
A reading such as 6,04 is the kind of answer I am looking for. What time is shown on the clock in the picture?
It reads 8,36
